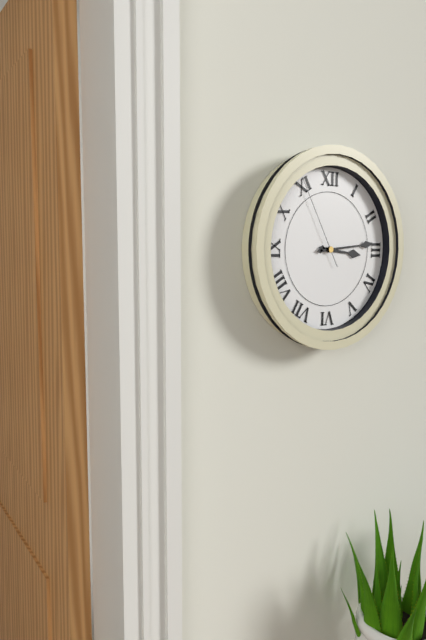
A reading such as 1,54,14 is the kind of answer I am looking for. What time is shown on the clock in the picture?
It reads 3,14,55
